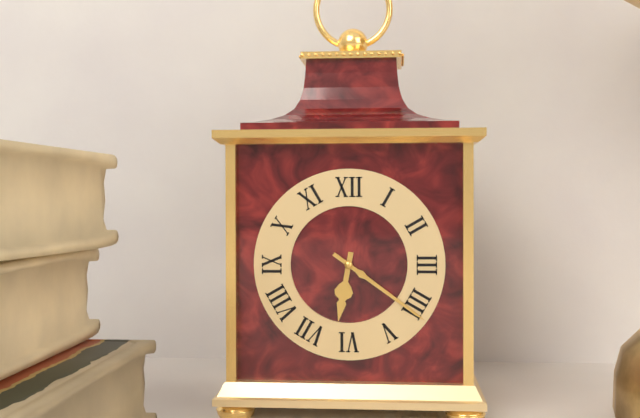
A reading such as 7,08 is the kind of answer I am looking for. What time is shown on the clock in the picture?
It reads 6,21
